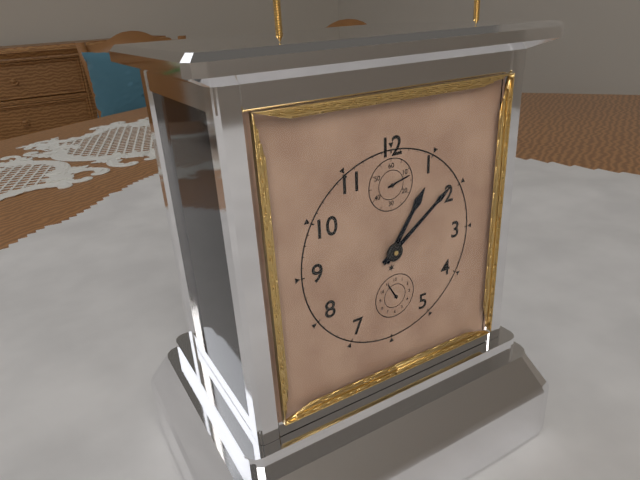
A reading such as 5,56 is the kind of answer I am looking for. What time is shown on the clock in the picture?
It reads 1,09
